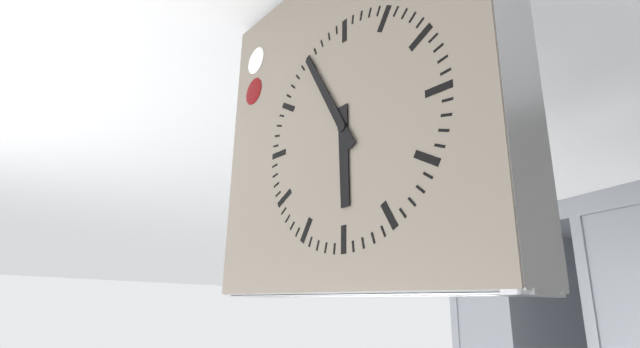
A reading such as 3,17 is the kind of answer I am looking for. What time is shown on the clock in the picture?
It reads 5,55
